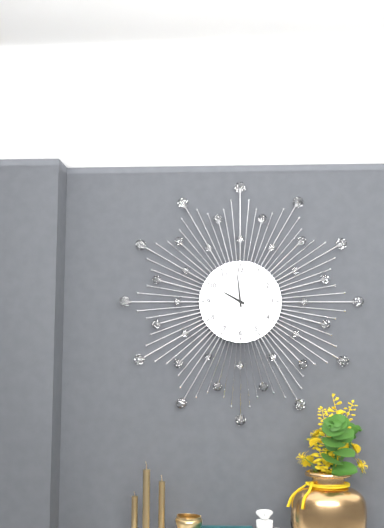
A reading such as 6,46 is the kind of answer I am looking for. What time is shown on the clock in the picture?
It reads 9,59
